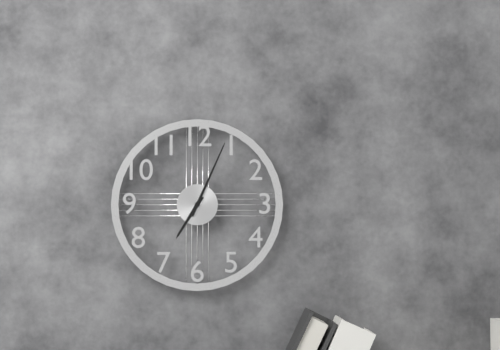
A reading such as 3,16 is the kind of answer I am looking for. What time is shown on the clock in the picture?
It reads 7,04
